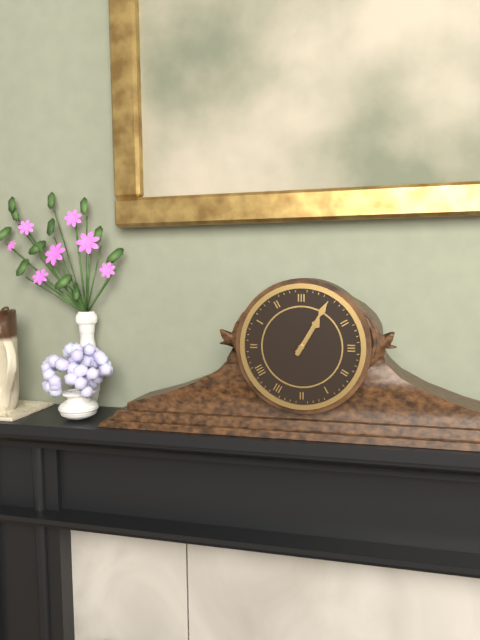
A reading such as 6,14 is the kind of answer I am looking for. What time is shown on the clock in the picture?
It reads 1,05
